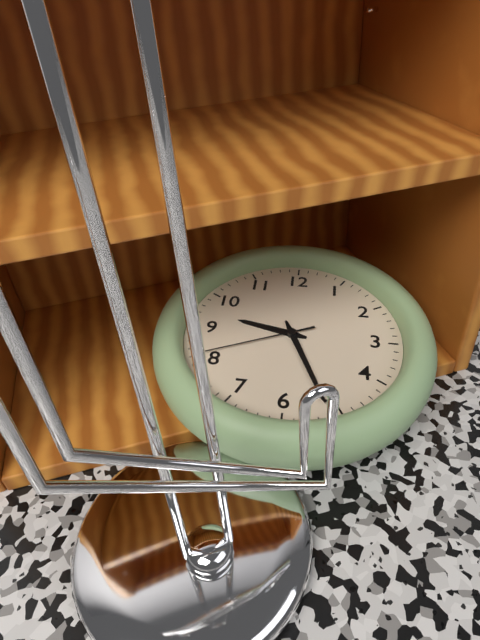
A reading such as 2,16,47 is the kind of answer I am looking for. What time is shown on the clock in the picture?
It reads 9,26,41
